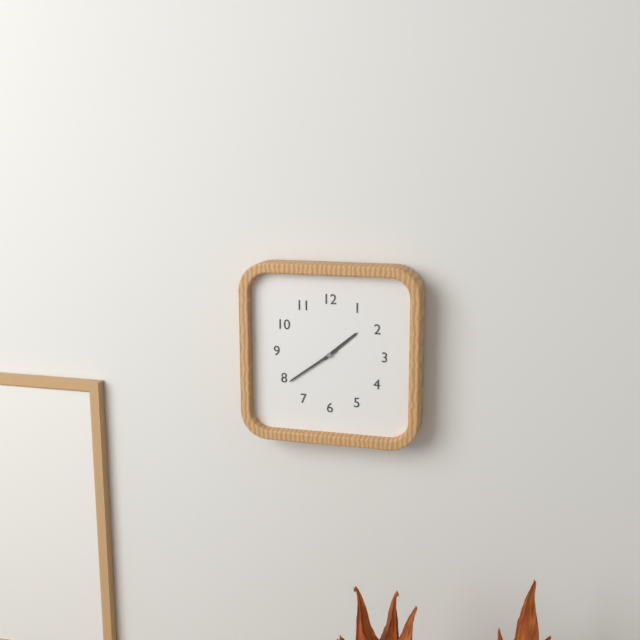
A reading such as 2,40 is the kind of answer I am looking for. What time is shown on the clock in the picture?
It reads 1,39
